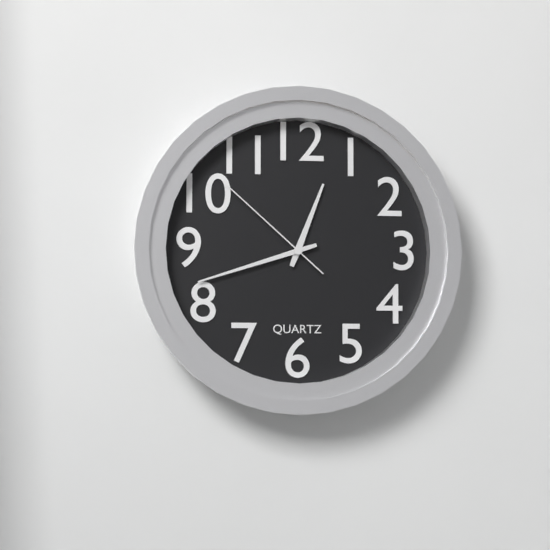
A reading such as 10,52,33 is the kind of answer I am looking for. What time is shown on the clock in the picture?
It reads 12,42,52
